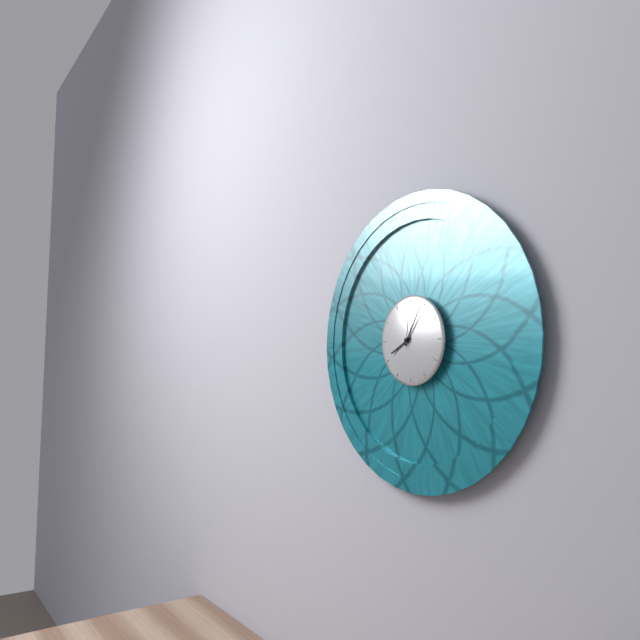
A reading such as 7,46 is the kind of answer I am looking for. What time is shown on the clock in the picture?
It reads 8,05
